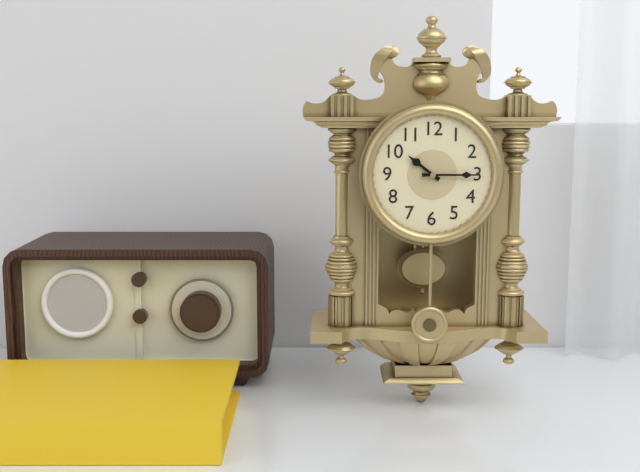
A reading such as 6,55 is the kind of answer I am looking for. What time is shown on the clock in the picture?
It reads 10,15
